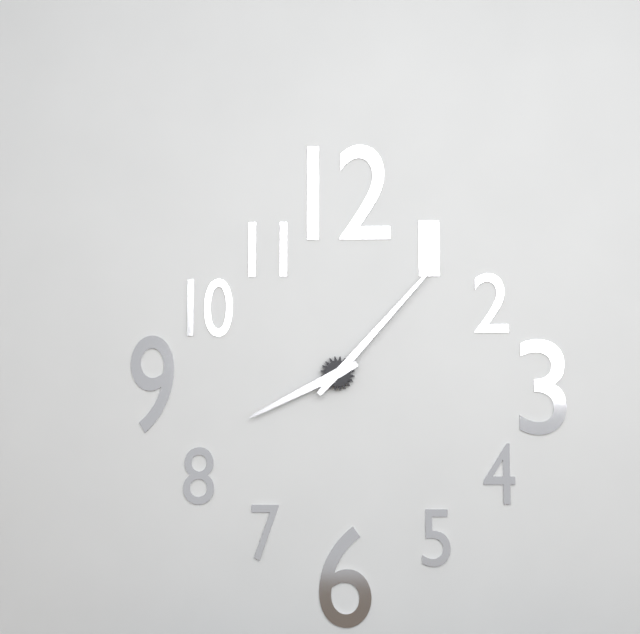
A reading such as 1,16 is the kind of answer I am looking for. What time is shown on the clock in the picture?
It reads 8,07
